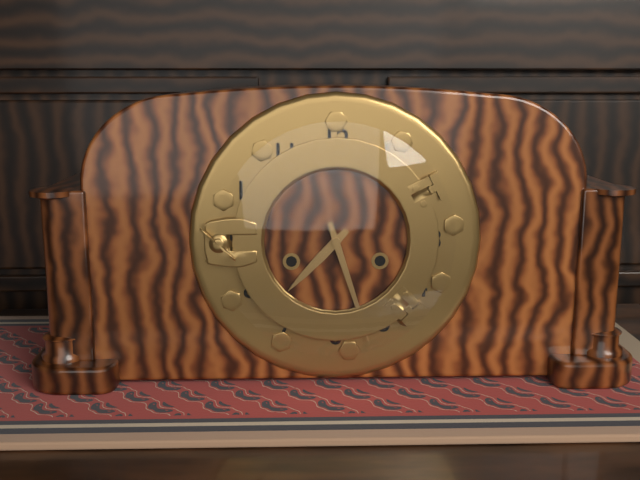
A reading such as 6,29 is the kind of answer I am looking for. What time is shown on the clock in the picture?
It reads 7,27
